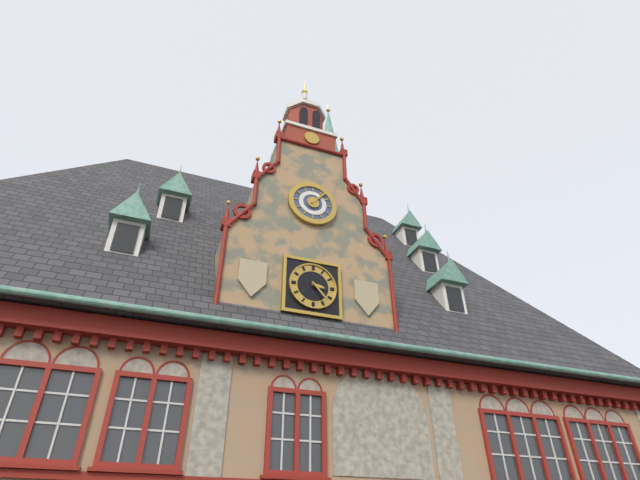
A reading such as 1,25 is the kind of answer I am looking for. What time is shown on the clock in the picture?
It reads 3,23
